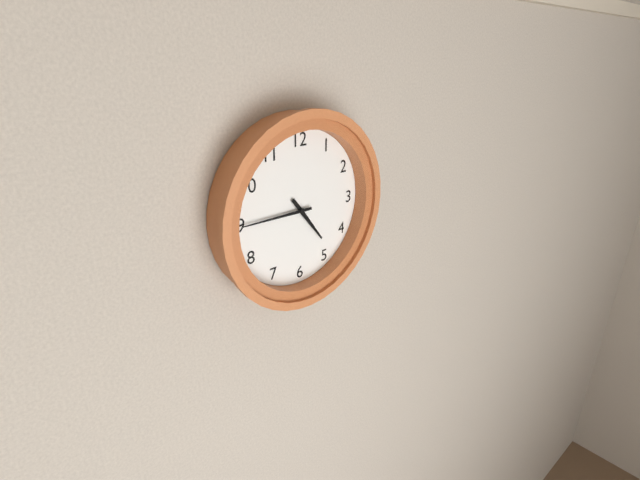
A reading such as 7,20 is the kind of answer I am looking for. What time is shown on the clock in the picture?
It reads 4,45
